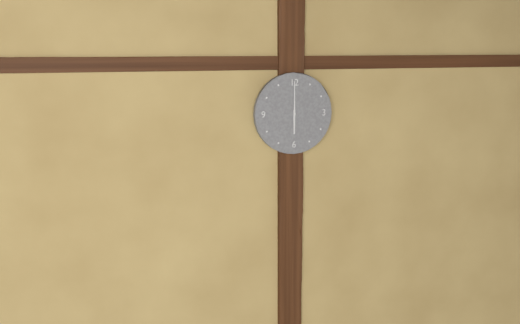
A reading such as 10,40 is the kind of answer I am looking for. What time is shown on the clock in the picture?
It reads 6,00
